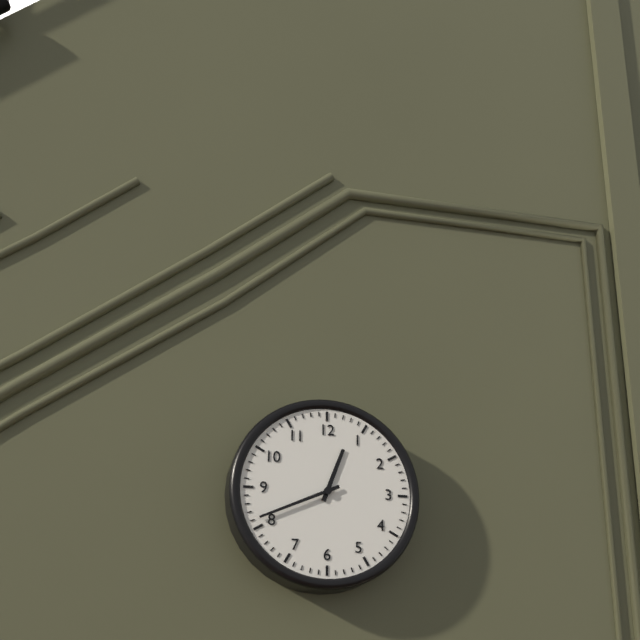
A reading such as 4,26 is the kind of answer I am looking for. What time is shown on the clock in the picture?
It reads 12,41
